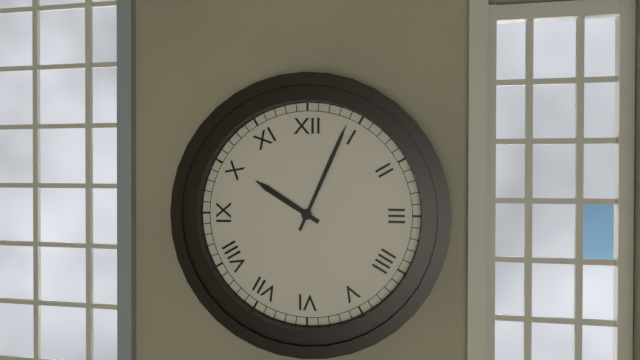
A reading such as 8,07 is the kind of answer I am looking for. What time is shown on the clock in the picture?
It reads 10,04
